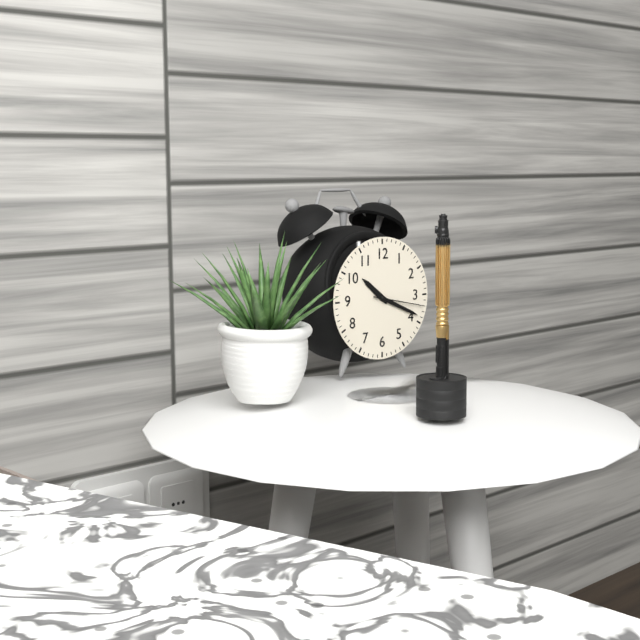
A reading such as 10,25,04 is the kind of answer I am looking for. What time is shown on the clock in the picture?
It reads 10,19,17
